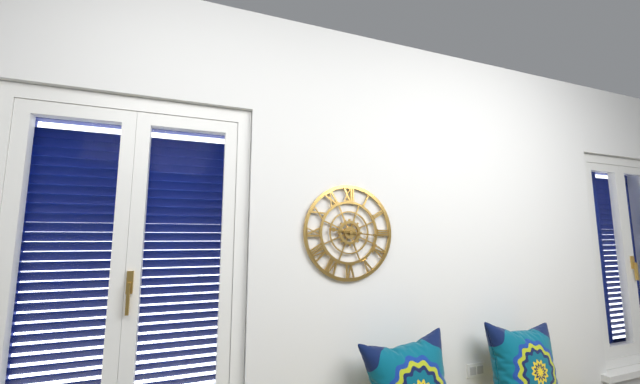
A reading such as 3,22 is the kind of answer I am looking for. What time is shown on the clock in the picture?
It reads 9,16
